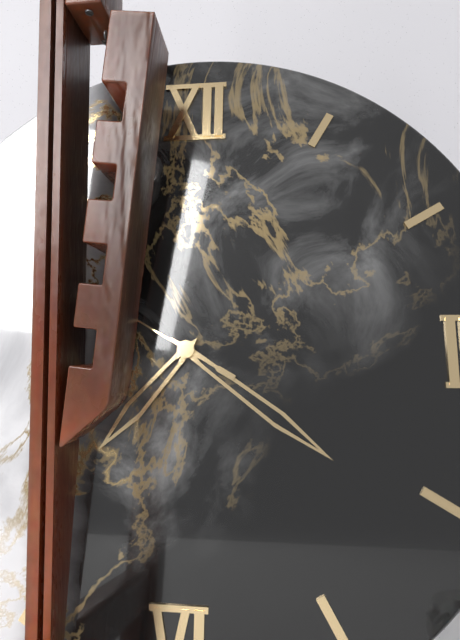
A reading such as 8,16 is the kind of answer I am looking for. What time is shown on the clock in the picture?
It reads 7,21
